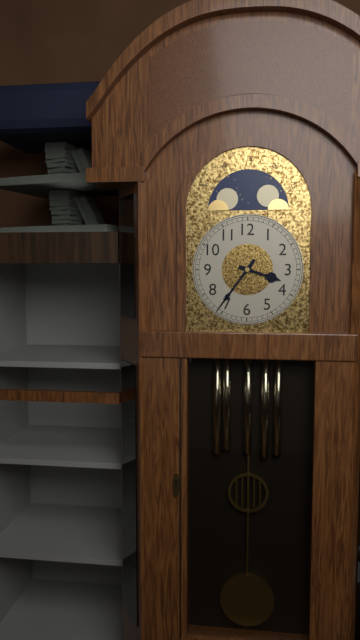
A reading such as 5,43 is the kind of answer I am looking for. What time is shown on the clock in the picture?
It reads 3,36
